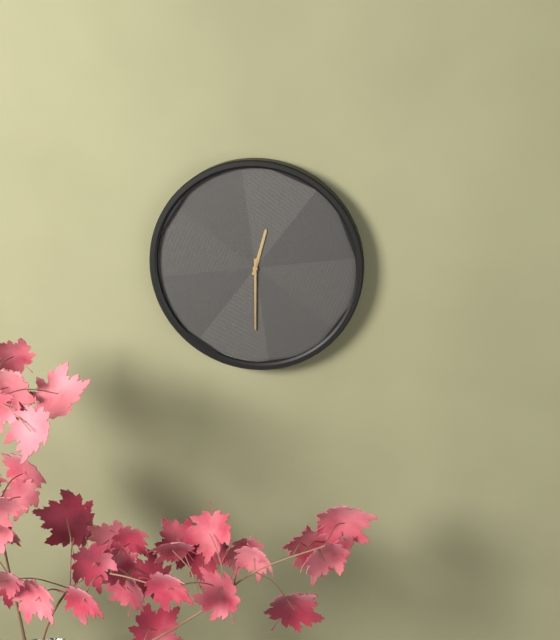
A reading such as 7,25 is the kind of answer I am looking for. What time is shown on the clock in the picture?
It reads 12,30
